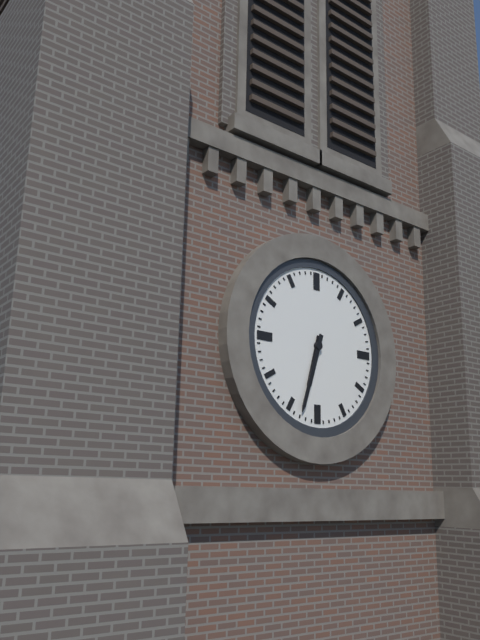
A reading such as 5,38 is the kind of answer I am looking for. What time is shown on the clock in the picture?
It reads 6,33
